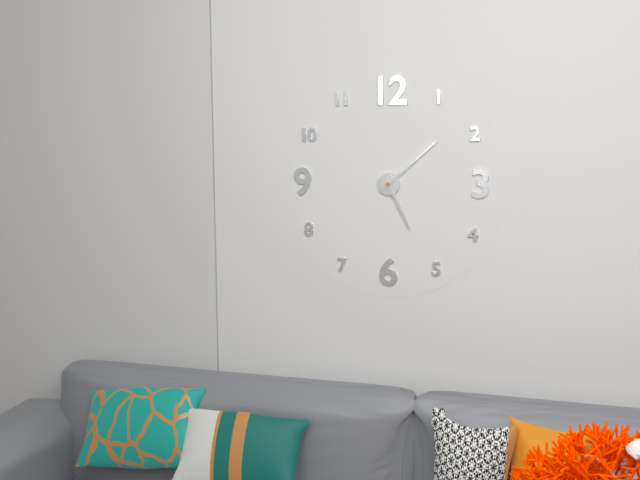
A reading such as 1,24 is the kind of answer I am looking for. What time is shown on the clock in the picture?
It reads 5,08
